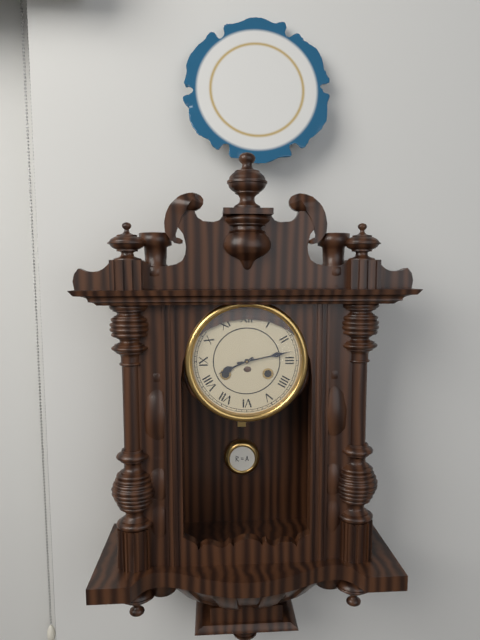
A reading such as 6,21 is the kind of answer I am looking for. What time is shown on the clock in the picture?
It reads 8,13
